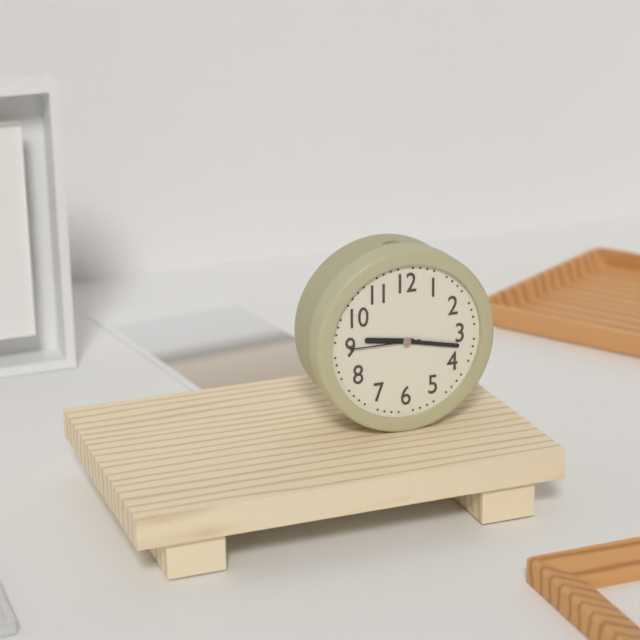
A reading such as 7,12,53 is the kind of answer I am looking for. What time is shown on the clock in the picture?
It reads 9,17,45
